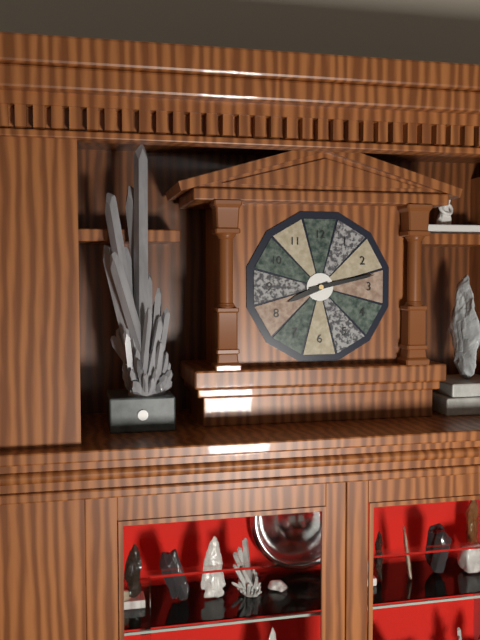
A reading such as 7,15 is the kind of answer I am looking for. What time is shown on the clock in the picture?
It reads 8,13
